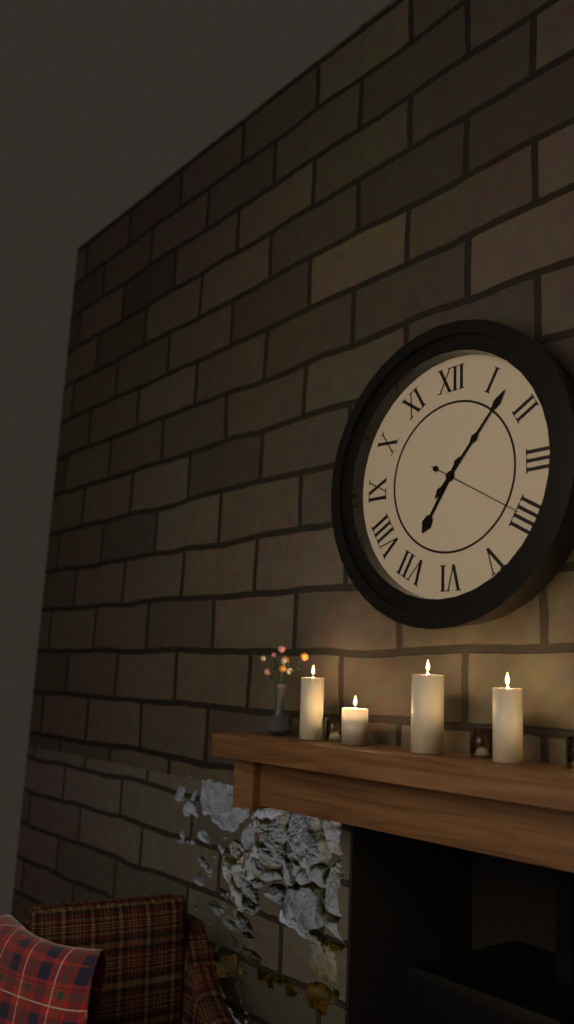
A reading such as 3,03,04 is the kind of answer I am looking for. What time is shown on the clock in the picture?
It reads 7,07,20
